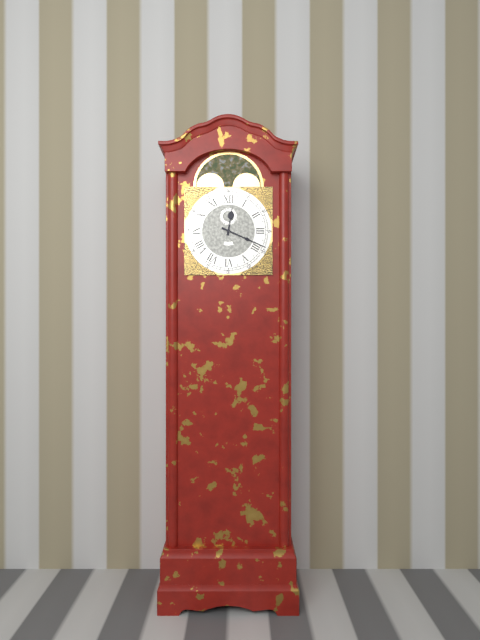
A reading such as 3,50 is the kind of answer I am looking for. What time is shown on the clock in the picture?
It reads 12,19
